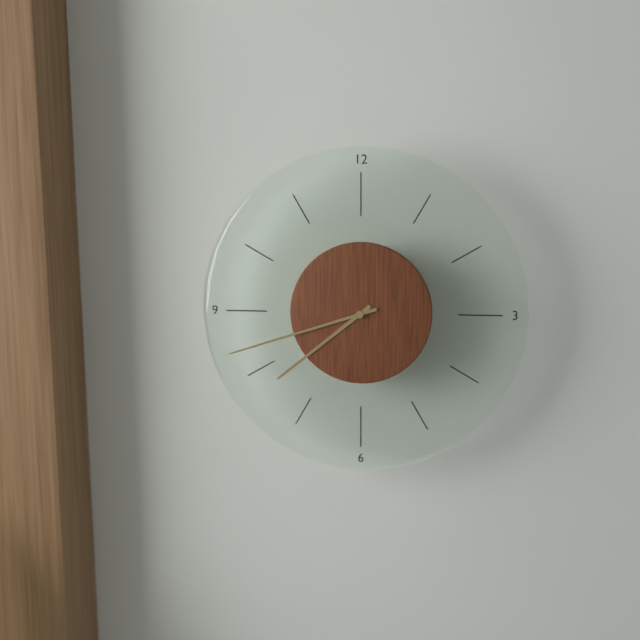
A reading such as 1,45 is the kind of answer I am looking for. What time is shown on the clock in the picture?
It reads 7,42
